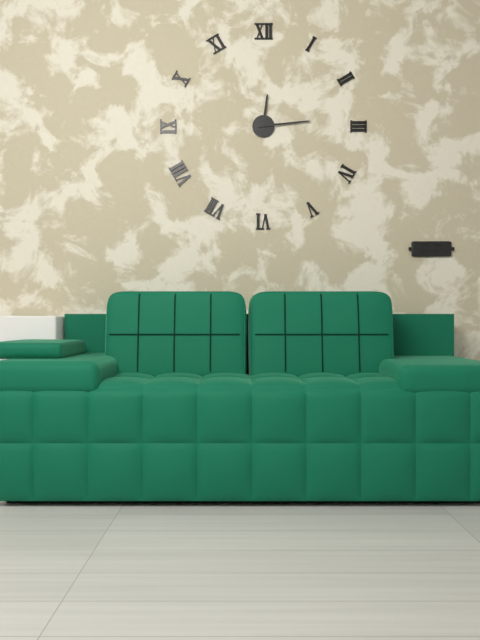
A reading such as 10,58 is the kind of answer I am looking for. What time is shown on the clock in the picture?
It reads 12,14
